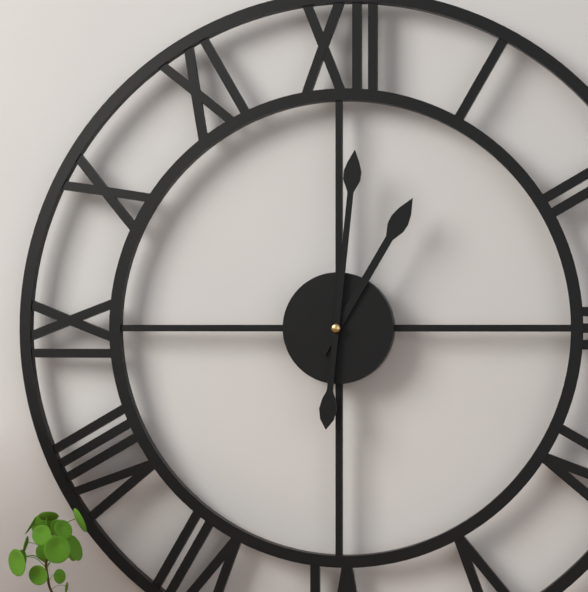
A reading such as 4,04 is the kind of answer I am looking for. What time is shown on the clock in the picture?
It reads 1,01
